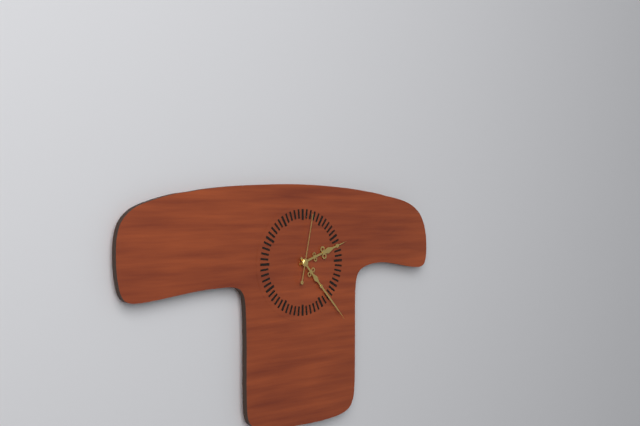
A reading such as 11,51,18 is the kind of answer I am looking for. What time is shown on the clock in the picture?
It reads 2,23,02
